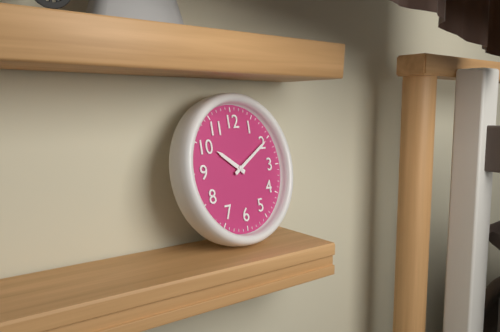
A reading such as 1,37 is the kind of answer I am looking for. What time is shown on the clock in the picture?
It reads 10,10
